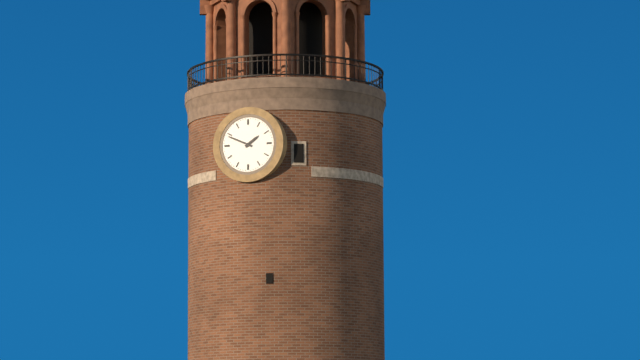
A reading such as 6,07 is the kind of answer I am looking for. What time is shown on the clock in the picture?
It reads 1,49
